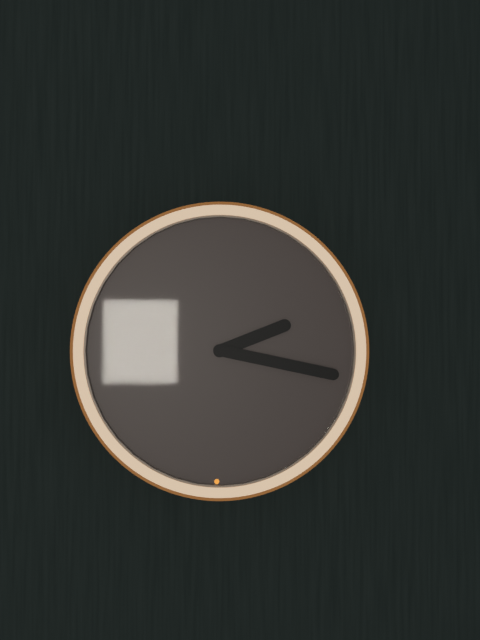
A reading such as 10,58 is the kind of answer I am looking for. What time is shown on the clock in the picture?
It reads 2,17
